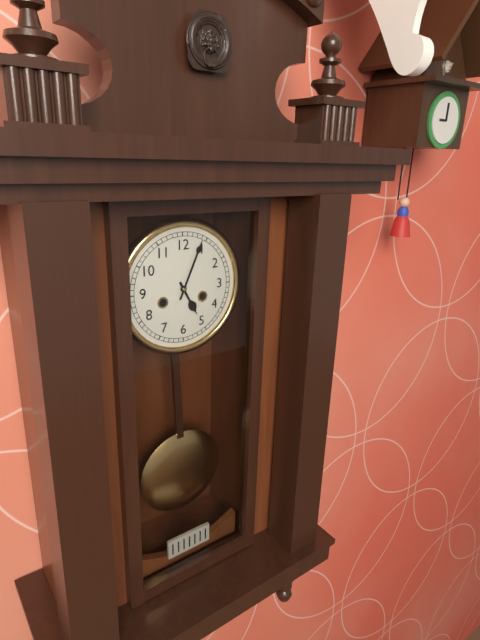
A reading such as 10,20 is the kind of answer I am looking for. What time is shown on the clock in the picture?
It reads 5,04
